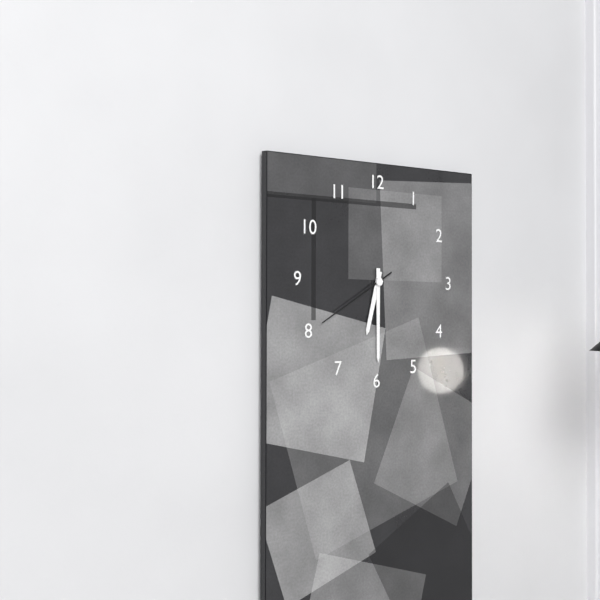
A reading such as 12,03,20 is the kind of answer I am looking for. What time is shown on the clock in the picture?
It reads 6,30,40
